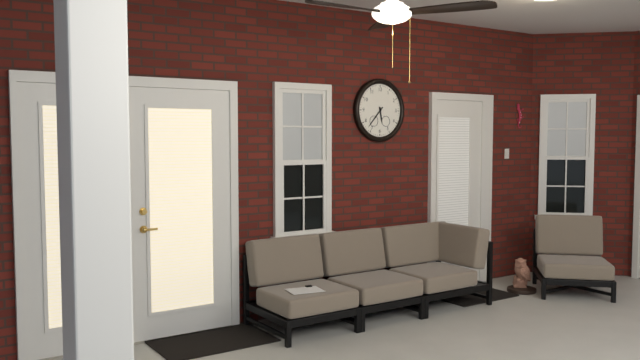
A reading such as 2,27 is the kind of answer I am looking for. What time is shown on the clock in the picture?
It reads 5,37
